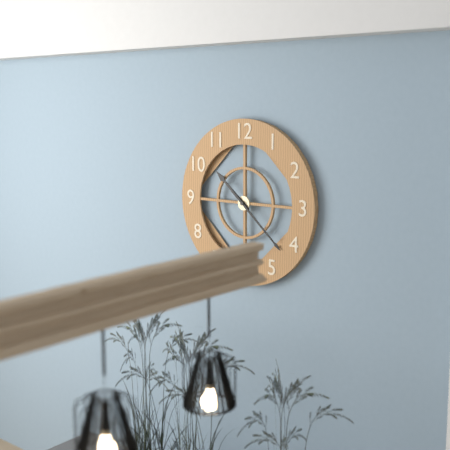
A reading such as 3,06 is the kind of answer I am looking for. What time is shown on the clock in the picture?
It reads 10,22
